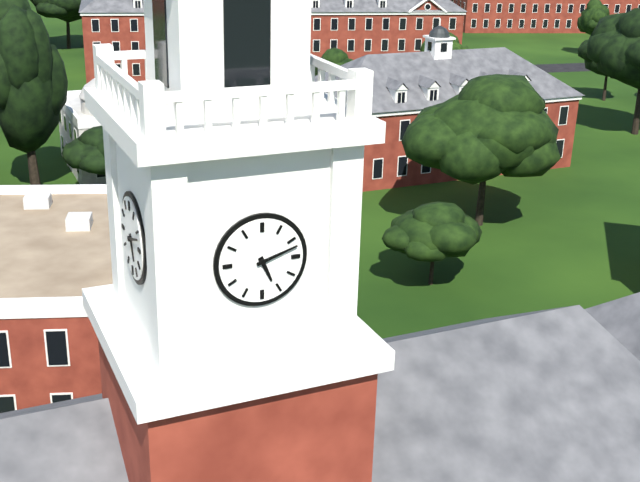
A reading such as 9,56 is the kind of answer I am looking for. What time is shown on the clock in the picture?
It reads 5,12
